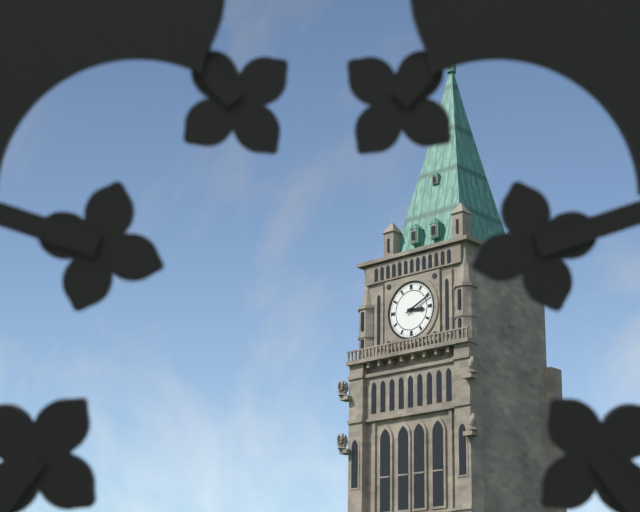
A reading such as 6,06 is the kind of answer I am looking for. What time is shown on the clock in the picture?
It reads 3,11
